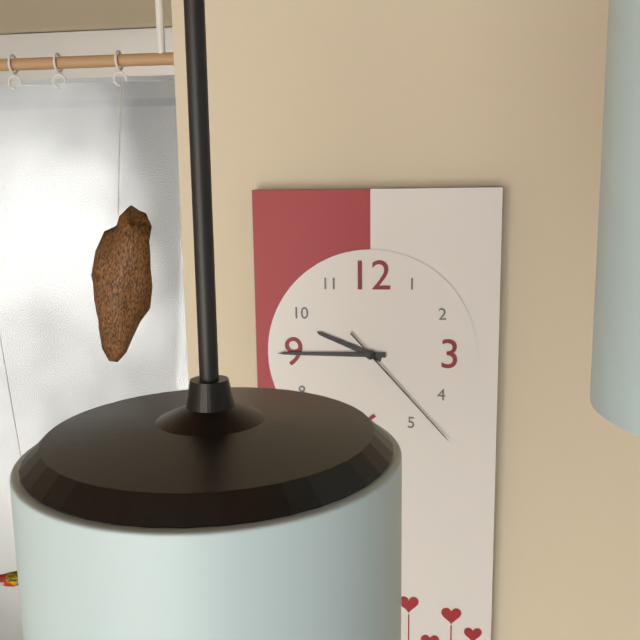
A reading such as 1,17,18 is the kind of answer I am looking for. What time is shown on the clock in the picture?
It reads 9,45,23
